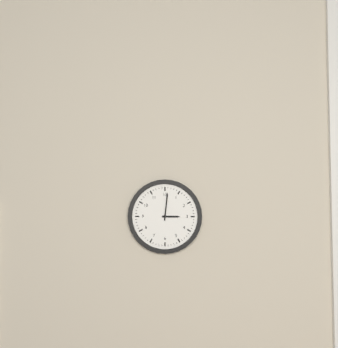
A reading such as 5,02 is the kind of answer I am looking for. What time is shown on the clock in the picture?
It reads 3,01
